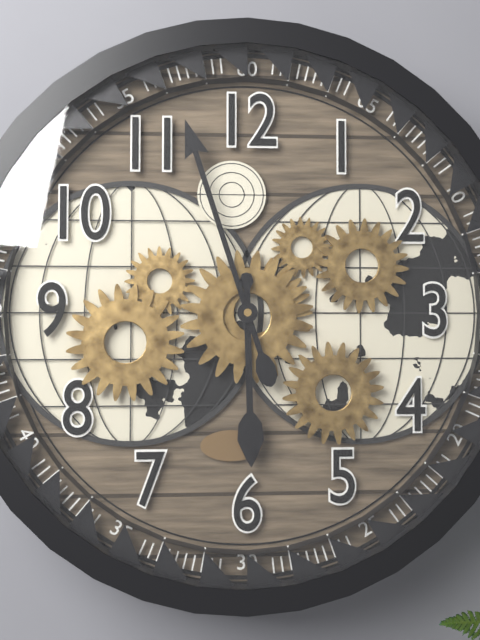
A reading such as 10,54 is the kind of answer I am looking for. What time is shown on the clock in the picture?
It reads 5,57
